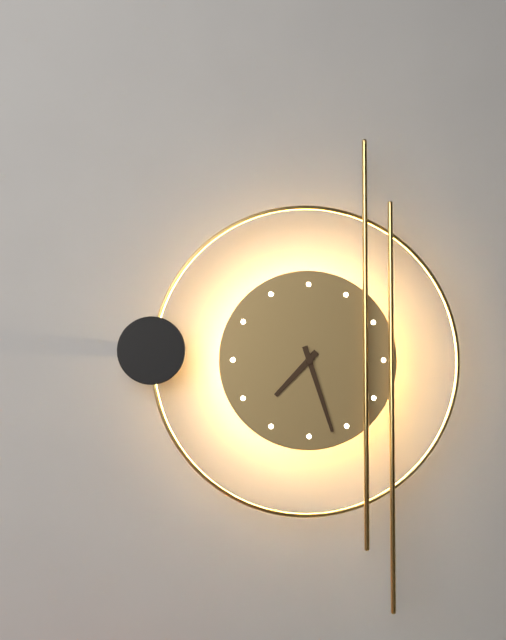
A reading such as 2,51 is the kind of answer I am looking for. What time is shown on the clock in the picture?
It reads 7,27
